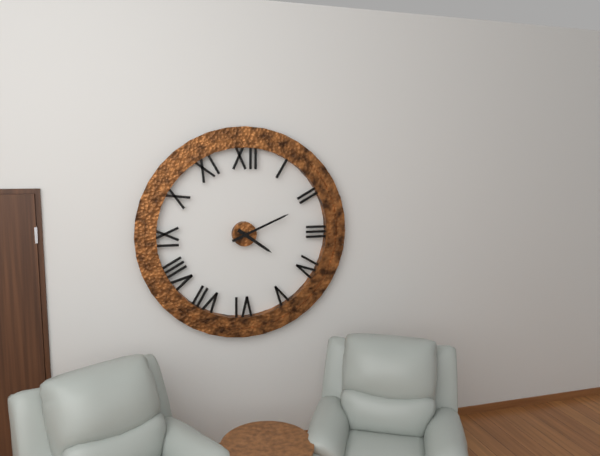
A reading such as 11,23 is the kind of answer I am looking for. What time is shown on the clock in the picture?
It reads 4,11
